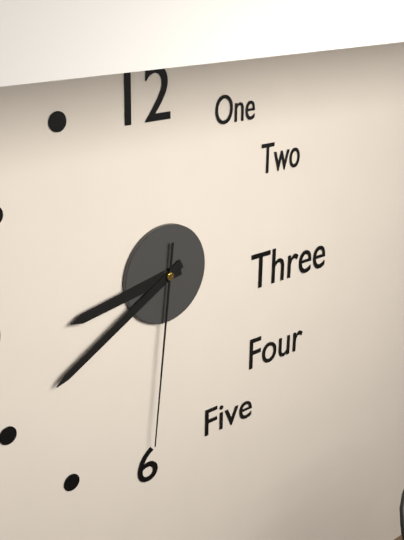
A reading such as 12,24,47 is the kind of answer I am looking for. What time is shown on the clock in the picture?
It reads 8,40,31
